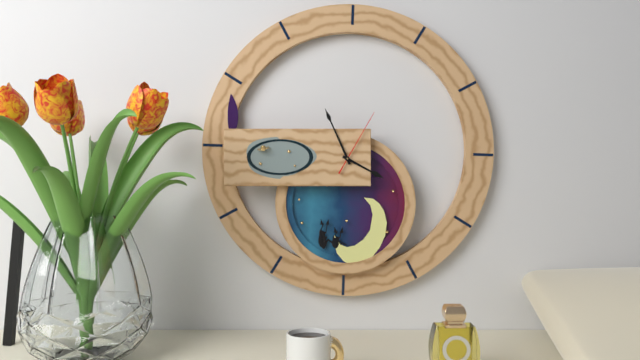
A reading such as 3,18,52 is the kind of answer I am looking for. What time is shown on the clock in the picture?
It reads 3,56,05
